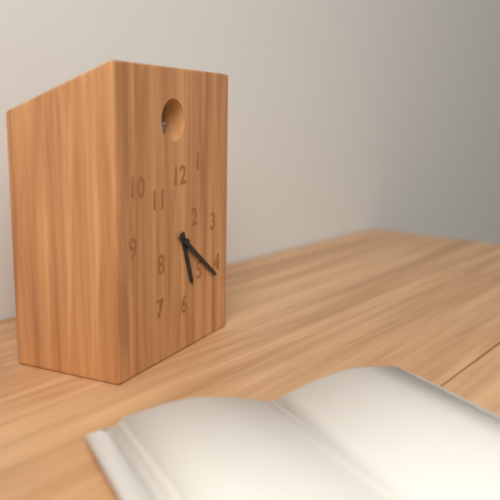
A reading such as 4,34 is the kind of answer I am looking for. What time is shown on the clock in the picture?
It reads 5,21
